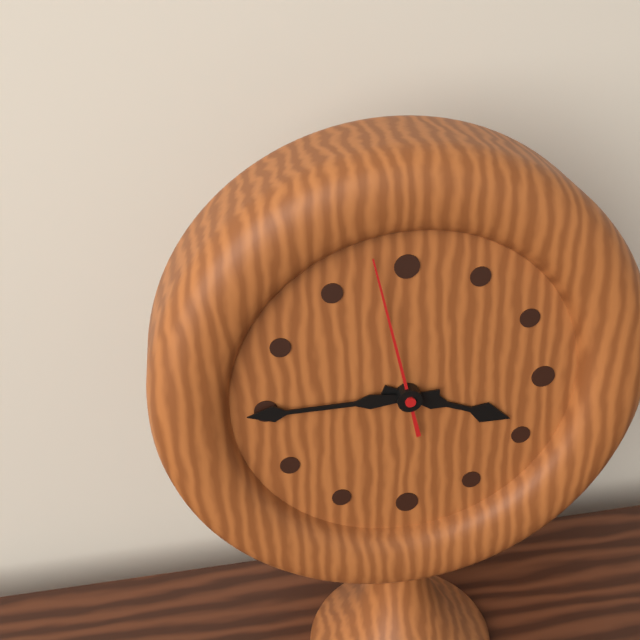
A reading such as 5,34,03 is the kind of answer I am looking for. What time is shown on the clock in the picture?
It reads 3,45,58
